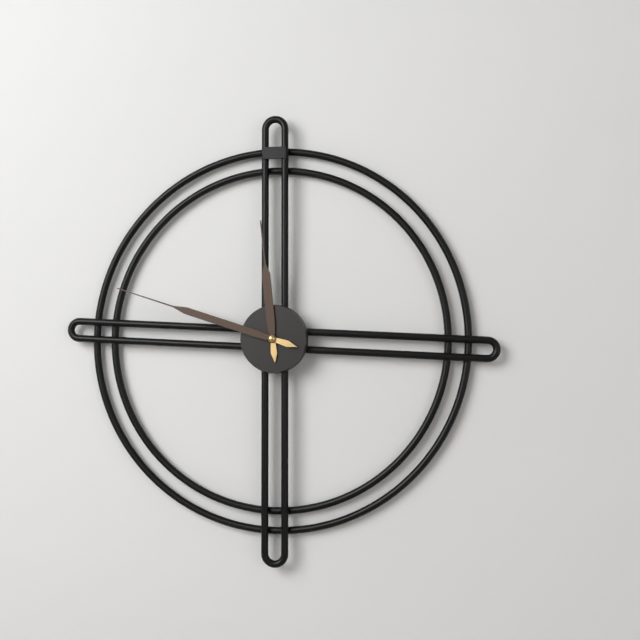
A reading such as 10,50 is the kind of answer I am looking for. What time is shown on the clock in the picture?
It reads 11,48
